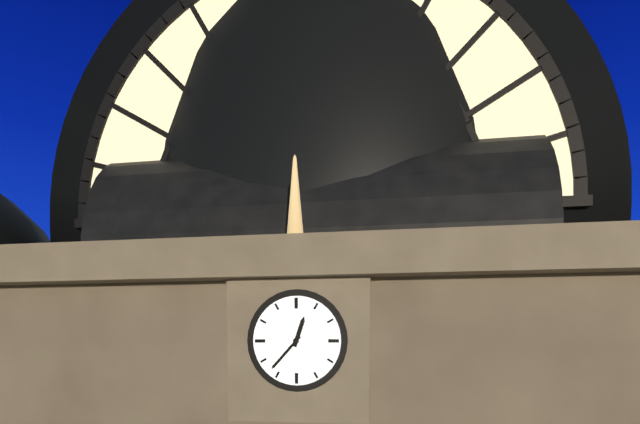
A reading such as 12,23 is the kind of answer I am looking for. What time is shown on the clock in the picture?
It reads 12,37
